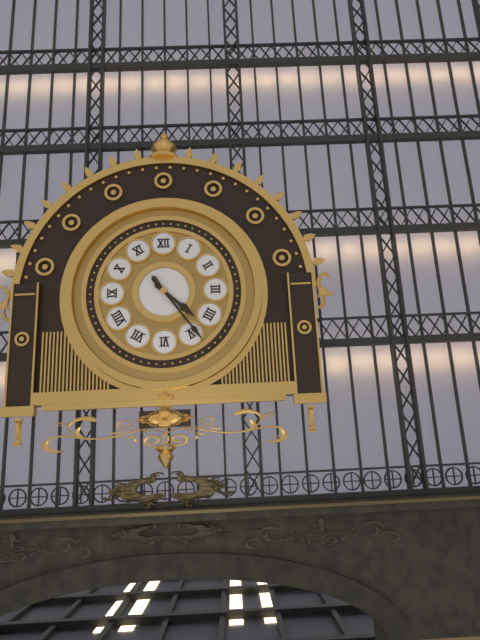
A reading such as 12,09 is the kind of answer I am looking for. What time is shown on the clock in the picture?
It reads 4,24
